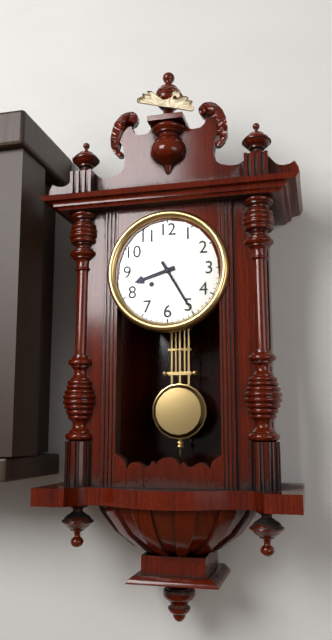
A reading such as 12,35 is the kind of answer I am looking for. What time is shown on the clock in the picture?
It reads 8,25
